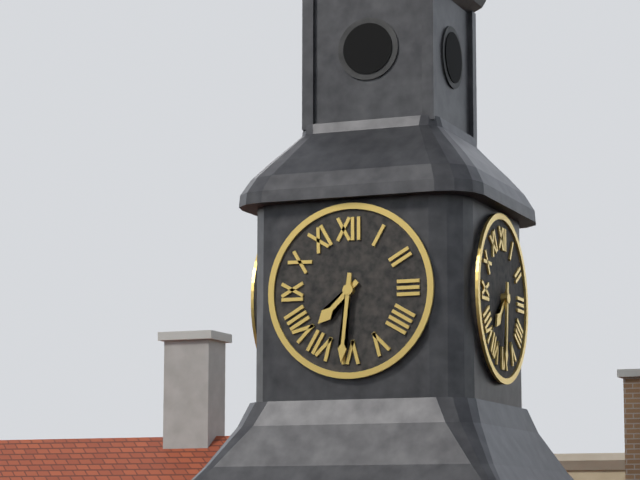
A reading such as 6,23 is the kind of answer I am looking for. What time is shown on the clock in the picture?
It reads 7,31
